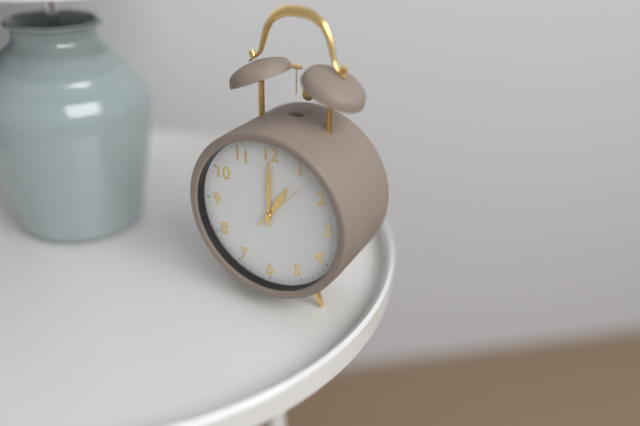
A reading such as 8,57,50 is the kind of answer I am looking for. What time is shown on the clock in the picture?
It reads 1,00,07
